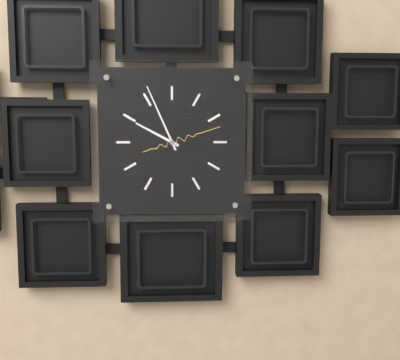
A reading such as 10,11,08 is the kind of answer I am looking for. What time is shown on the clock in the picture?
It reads 9,56,12
